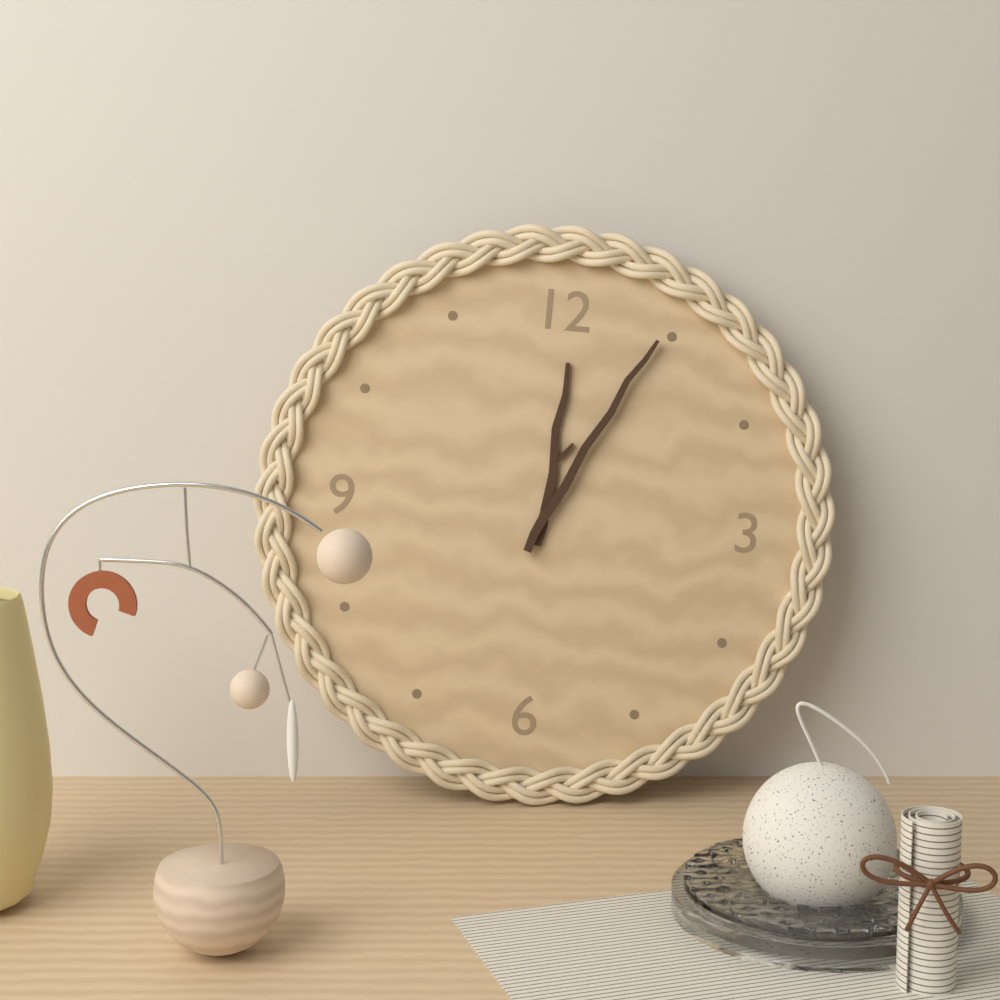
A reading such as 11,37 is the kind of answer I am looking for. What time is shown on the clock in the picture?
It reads 12,04
